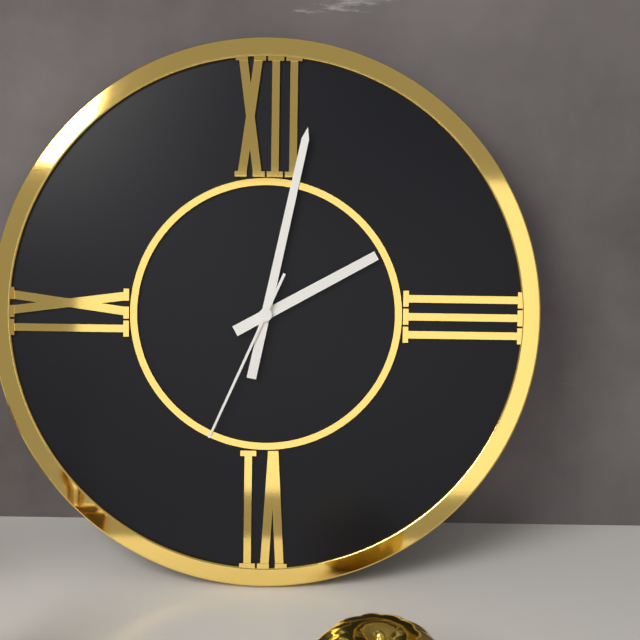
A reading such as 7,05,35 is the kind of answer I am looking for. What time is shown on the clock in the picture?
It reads 2,02,34
